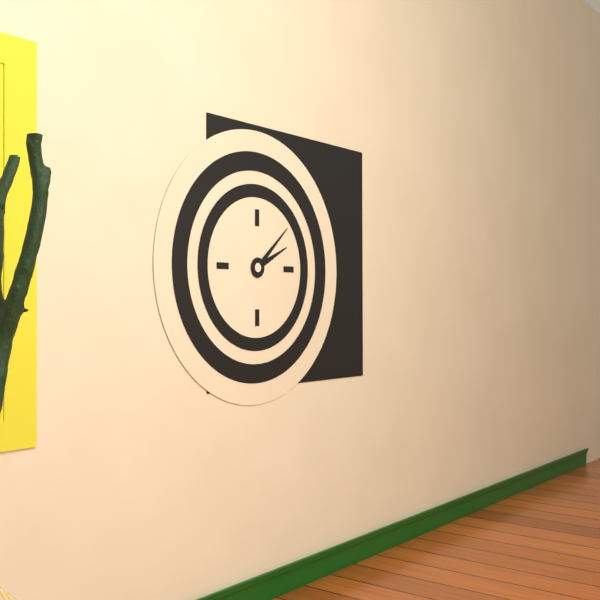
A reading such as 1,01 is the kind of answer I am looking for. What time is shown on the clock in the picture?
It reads 2,08
